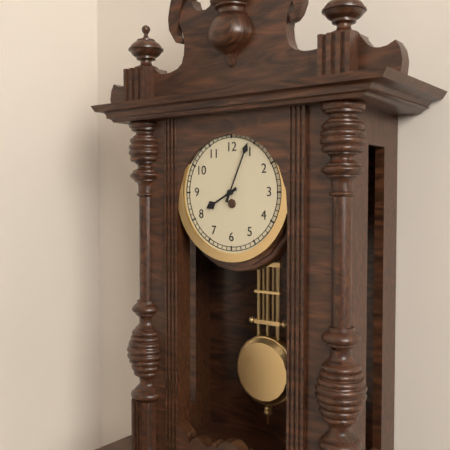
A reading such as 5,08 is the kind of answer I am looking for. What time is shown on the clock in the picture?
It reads 8,04
